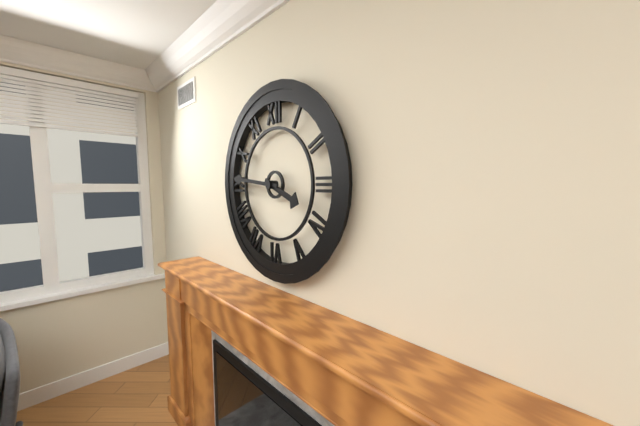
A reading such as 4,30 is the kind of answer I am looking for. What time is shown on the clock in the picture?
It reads 3,46
